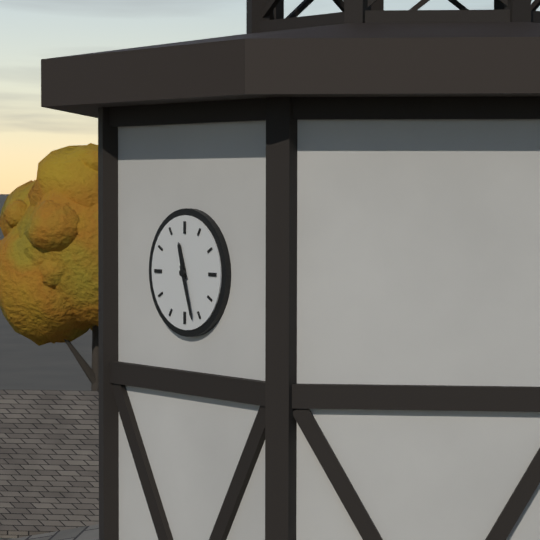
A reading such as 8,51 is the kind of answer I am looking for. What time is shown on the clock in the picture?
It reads 11,27
